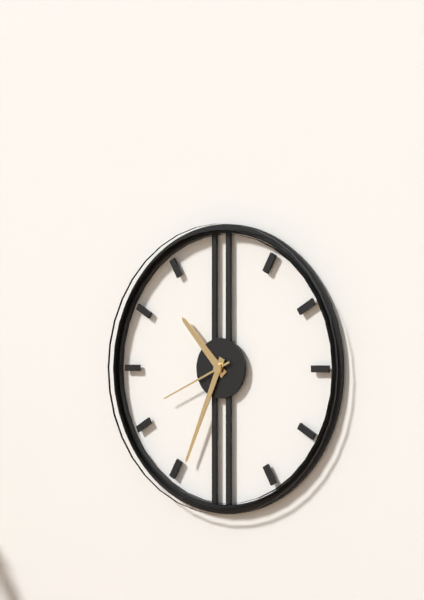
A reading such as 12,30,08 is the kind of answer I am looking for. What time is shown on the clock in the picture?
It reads 10,34,41
